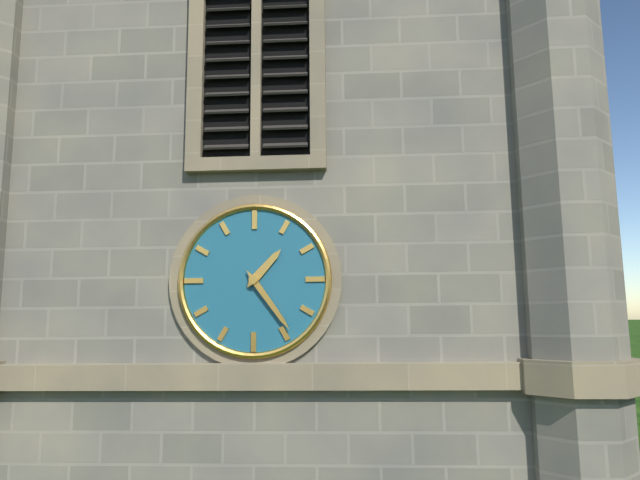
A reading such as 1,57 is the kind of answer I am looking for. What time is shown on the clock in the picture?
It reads 1,24
